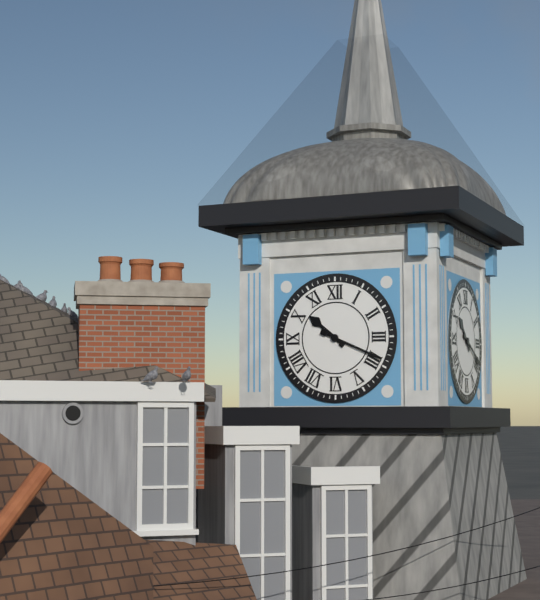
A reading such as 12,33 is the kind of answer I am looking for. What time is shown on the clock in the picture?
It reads 10,19
